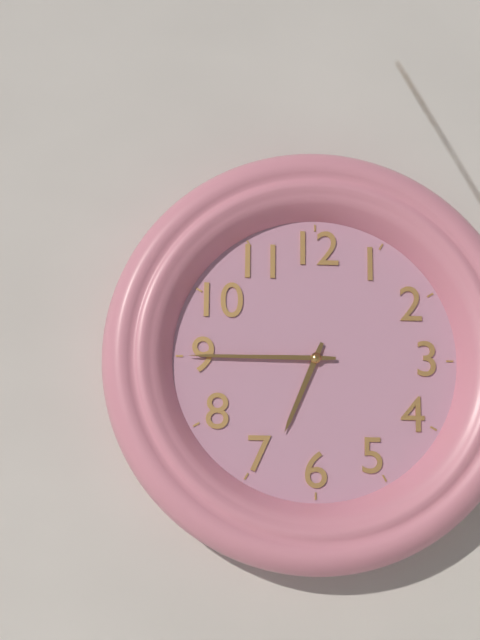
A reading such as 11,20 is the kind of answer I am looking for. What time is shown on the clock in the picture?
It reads 6,45
